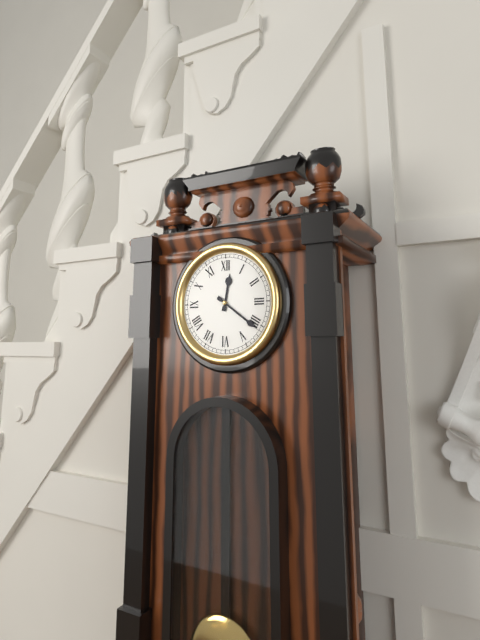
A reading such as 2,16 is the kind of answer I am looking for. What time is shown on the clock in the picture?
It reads 12,21
